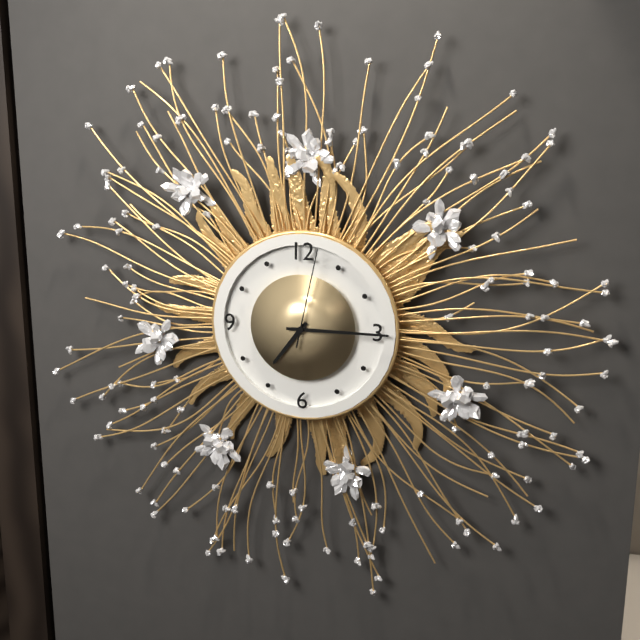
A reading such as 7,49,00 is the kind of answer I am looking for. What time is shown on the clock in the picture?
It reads 7,15,02
